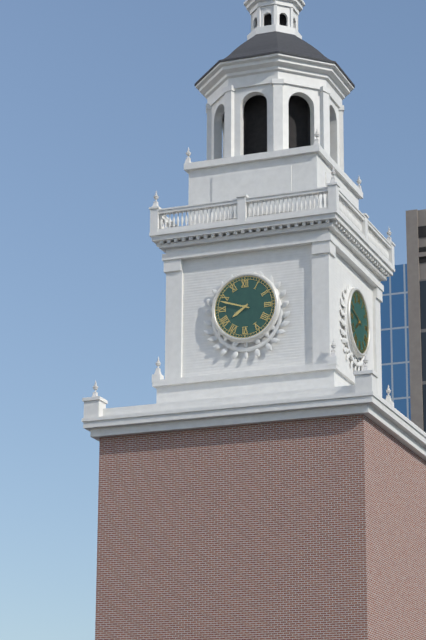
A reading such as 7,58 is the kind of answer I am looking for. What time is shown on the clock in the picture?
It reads 7,48
